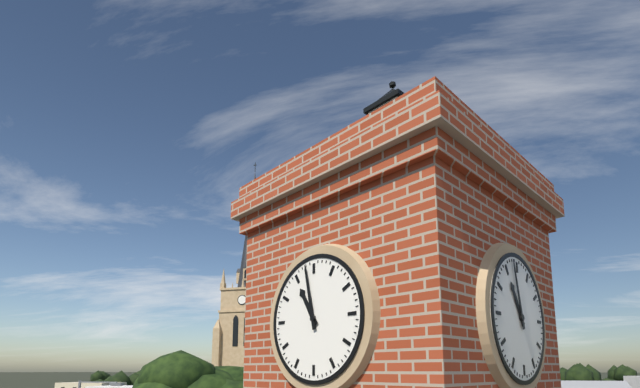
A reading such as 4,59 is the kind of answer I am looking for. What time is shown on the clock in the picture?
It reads 10,58
